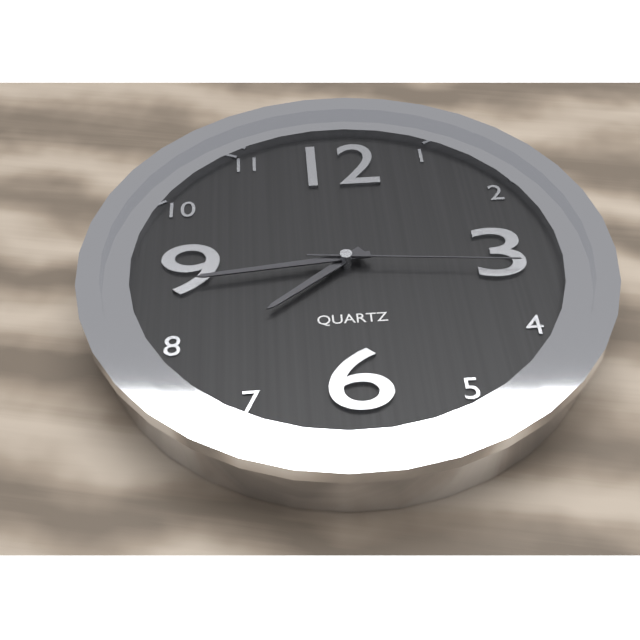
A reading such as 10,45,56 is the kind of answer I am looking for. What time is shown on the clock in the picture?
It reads 7,44,16
